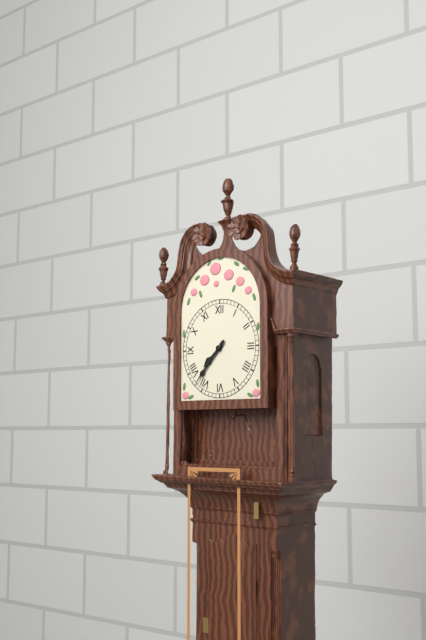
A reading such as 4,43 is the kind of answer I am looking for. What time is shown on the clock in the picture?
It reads 7,37
